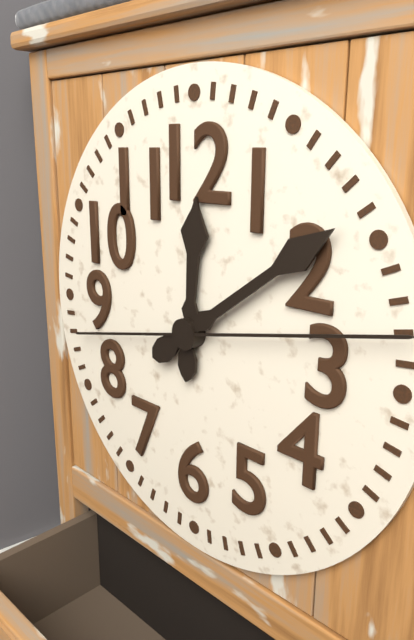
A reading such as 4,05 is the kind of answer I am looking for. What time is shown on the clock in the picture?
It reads 12,09
